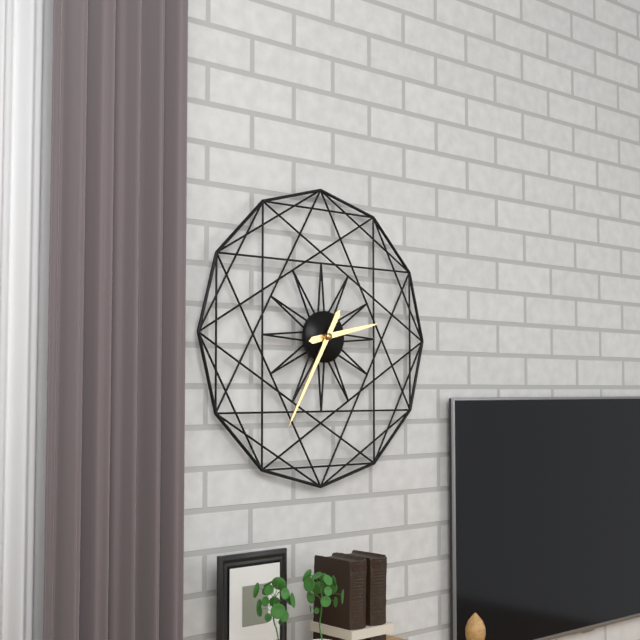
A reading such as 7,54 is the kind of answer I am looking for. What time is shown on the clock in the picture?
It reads 2,35
